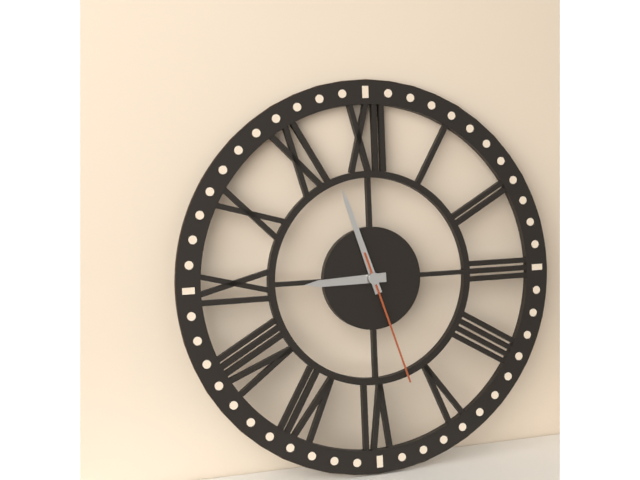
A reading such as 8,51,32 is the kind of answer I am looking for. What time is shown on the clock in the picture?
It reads 8,57,27
